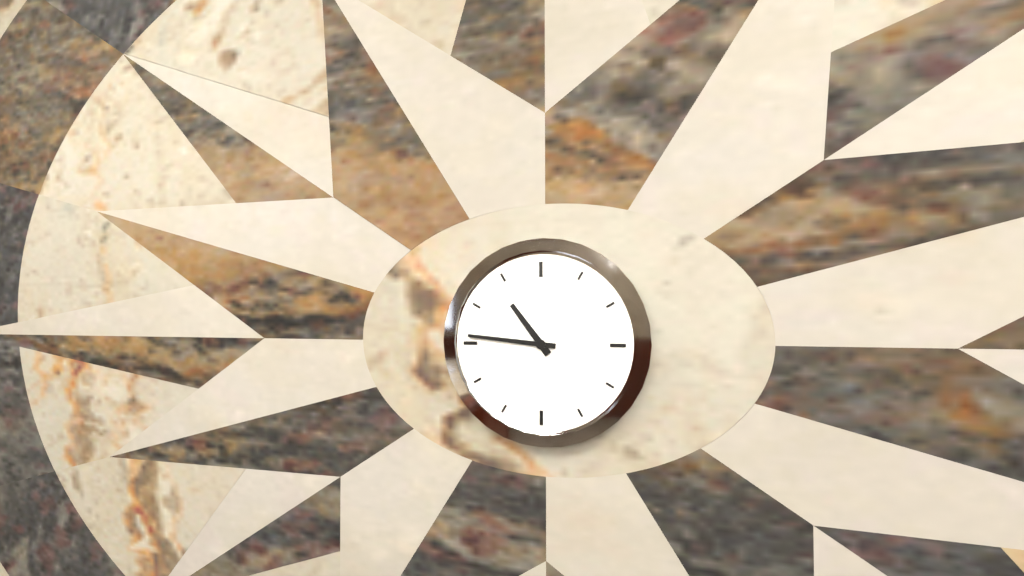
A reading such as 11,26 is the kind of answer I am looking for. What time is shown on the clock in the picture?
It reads 10,46
